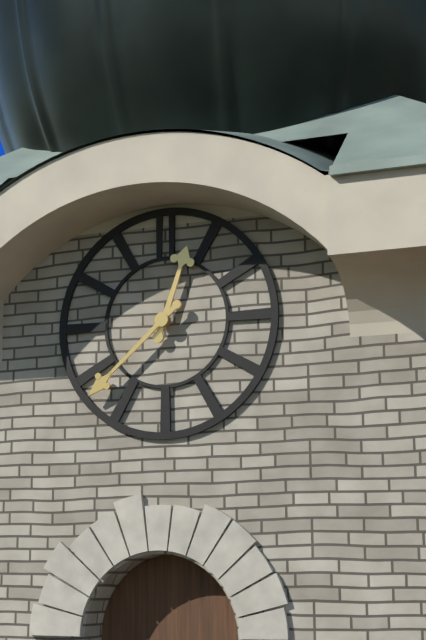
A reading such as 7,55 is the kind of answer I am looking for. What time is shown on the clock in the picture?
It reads 12,38
